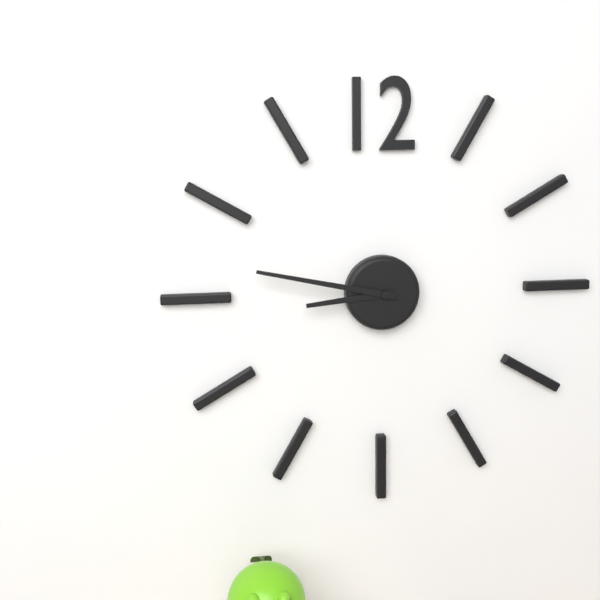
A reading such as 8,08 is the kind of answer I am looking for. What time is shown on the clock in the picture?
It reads 8,47
